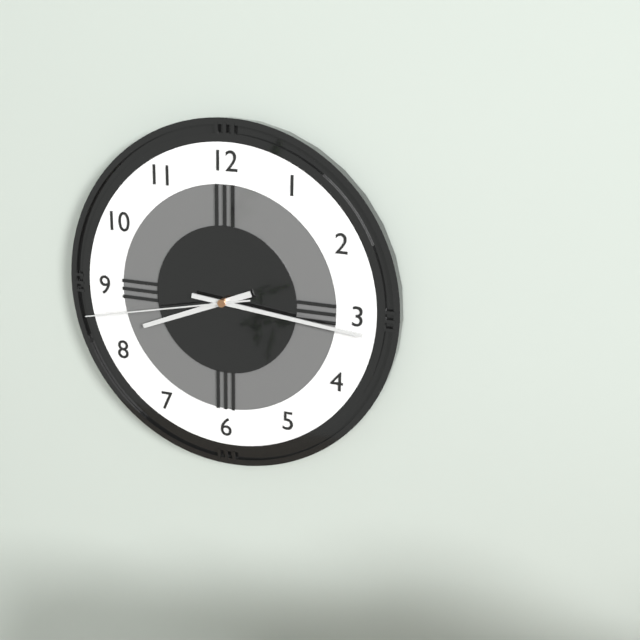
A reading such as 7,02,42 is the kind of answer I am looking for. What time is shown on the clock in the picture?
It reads 8,16,43
